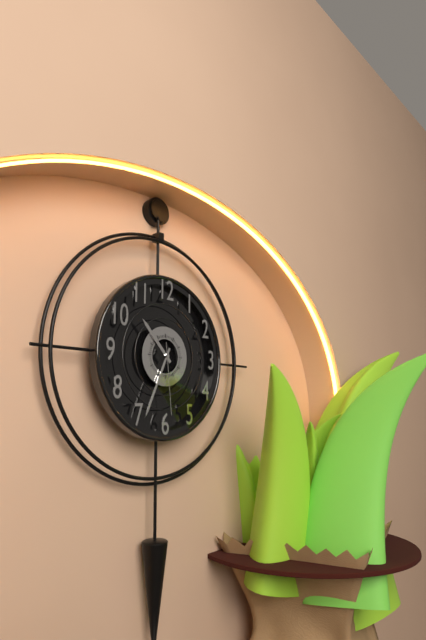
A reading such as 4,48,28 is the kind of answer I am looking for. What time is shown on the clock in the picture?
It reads 10,34,29
